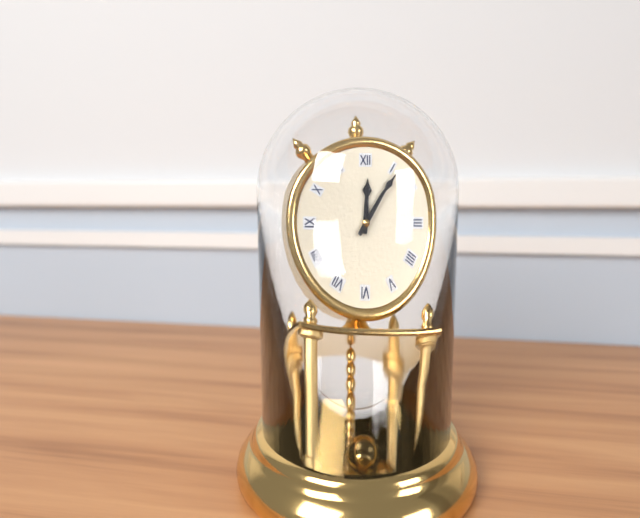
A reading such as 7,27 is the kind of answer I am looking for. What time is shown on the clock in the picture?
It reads 12,06
